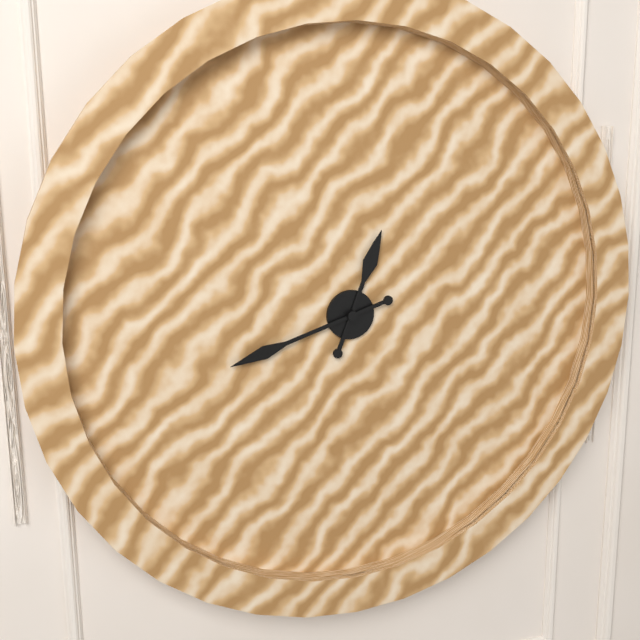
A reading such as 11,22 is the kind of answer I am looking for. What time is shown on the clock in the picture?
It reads 12,42
